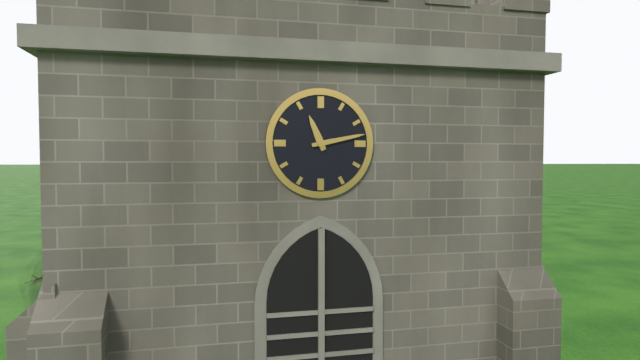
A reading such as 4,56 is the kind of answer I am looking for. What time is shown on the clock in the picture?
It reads 11,13
